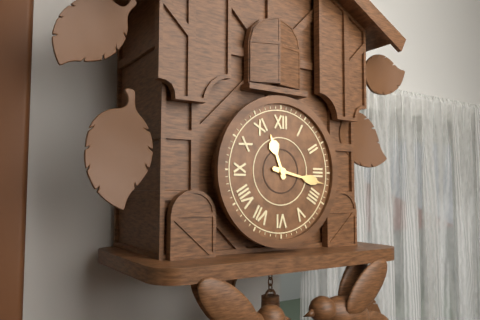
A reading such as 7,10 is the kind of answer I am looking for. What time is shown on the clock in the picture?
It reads 11,17
